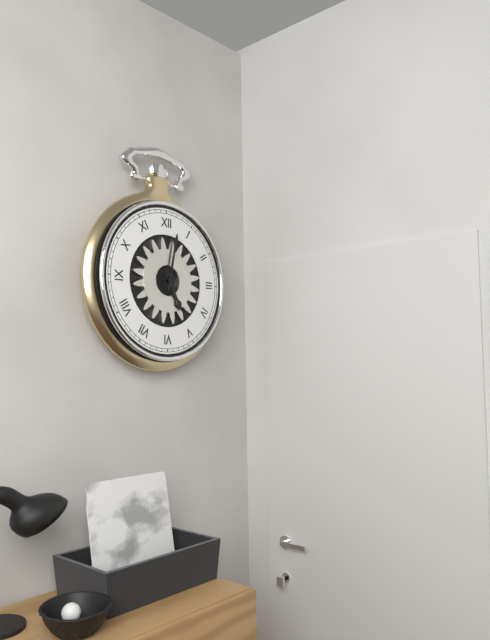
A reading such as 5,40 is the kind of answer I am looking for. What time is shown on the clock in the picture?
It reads 5,02
